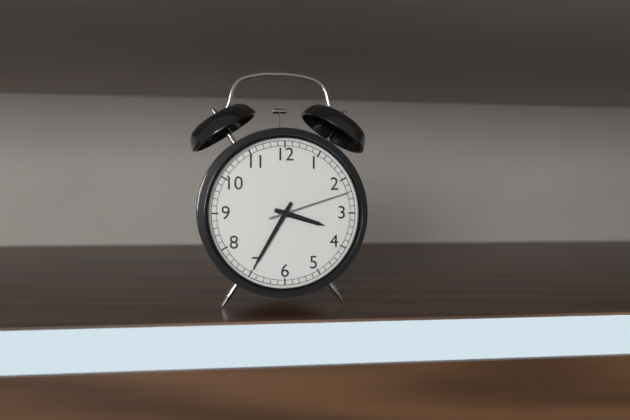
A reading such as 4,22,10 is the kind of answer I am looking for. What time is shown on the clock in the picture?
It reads 3,35,12
